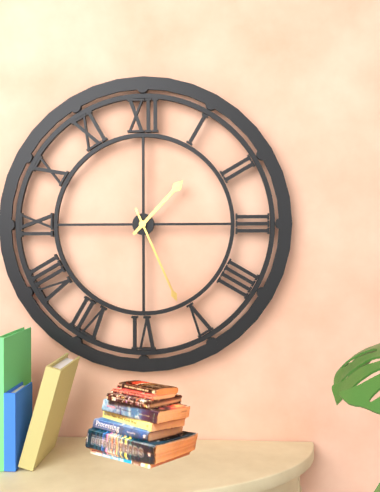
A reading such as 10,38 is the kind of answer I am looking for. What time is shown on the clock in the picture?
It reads 1,26
